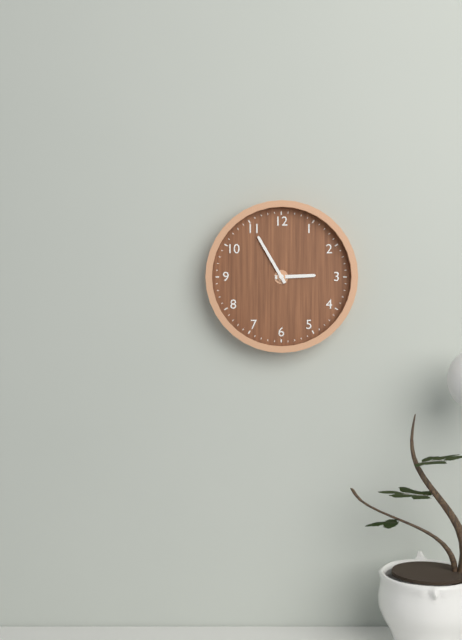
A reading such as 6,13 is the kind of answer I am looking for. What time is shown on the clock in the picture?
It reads 2,55
